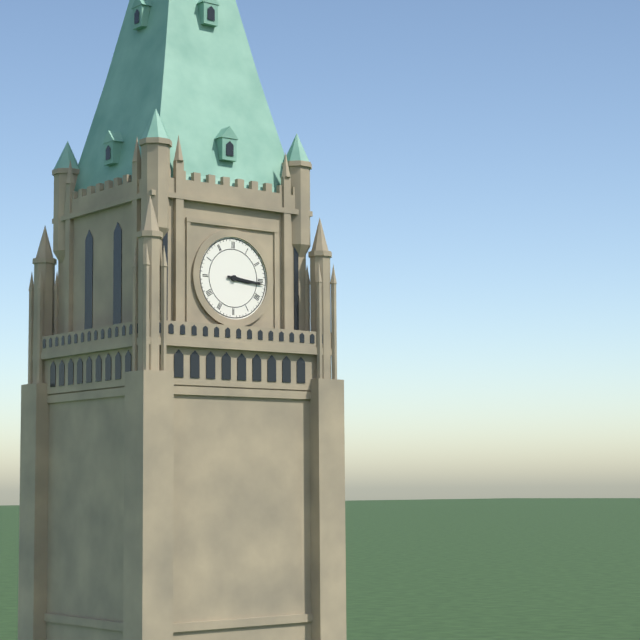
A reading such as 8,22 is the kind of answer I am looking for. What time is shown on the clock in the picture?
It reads 3,16
